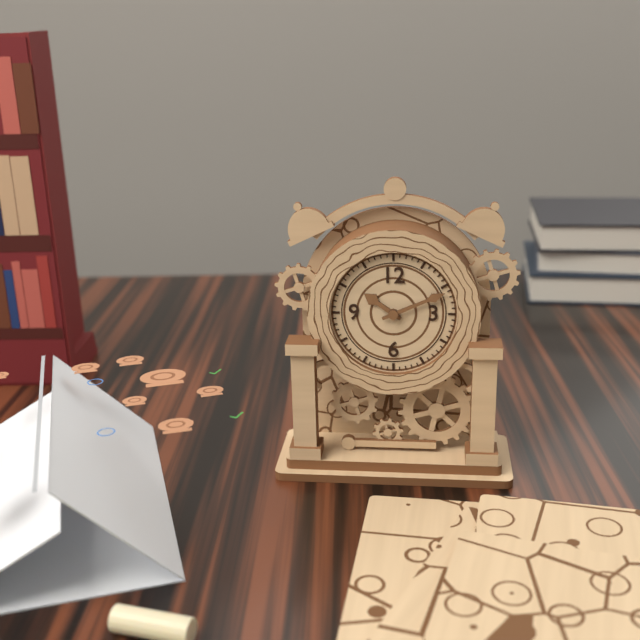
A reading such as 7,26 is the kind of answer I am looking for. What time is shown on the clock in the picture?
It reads 10,11
